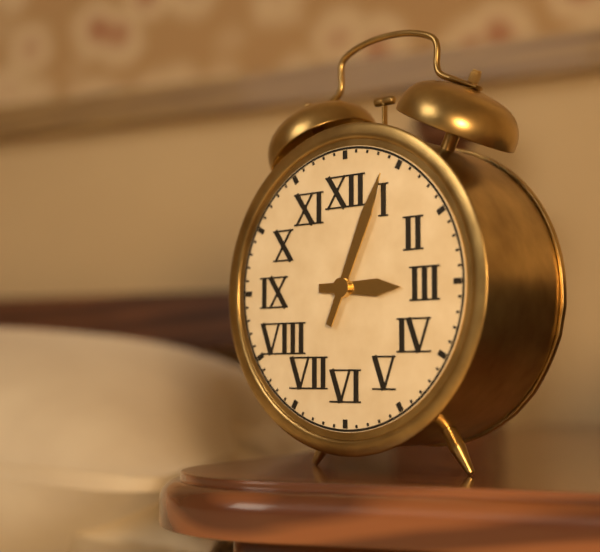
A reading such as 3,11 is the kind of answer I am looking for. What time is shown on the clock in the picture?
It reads 3,04
